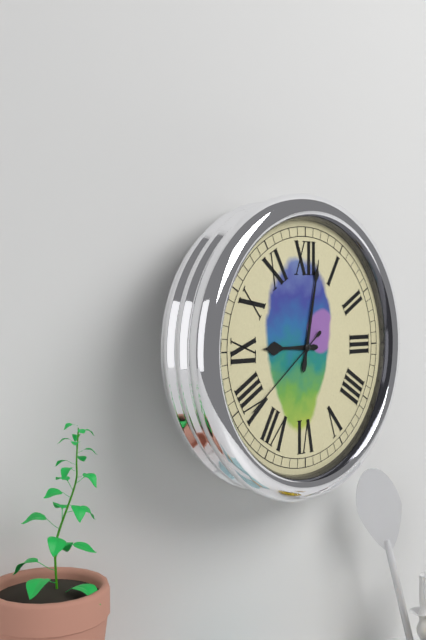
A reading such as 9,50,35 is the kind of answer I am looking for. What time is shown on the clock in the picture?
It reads 9,02,39
